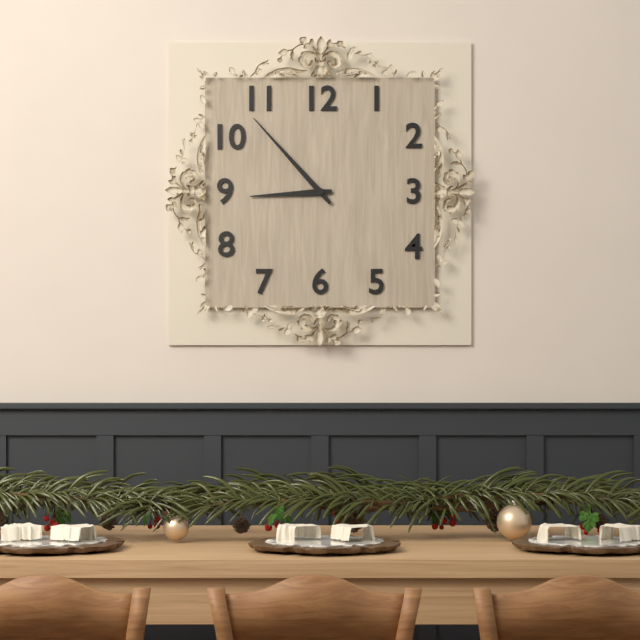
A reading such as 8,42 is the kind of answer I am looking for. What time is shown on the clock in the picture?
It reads 8,53
